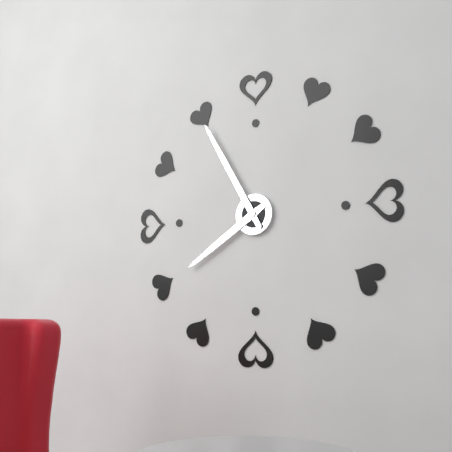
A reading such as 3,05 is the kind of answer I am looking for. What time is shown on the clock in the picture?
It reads 7,55
